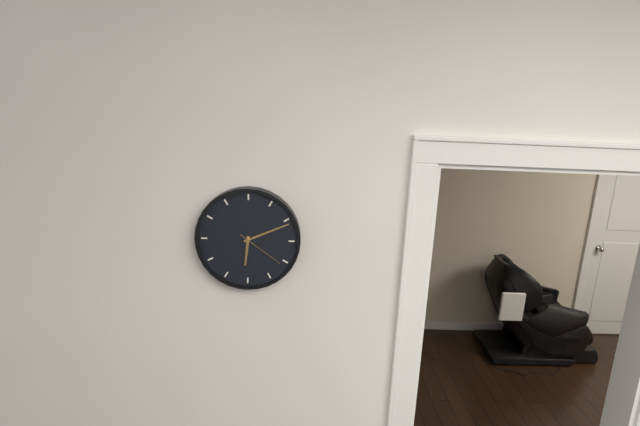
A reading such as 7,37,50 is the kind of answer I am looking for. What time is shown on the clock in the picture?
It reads 6,11,21
